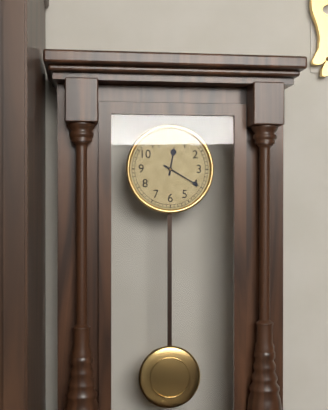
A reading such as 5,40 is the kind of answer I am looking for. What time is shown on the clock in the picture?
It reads 12,20
